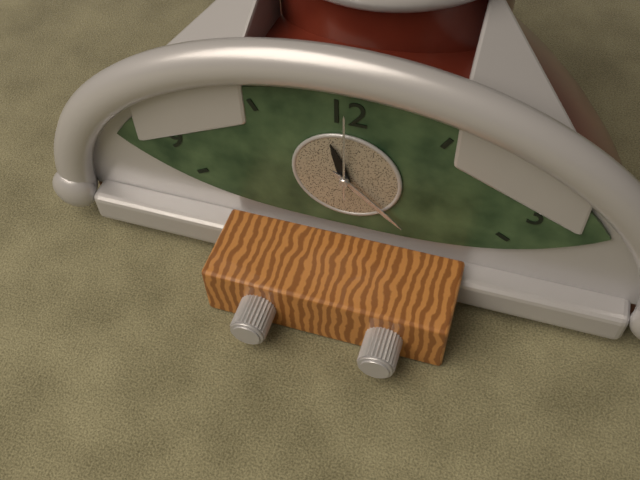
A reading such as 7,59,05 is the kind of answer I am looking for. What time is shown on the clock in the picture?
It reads 11,22,00
